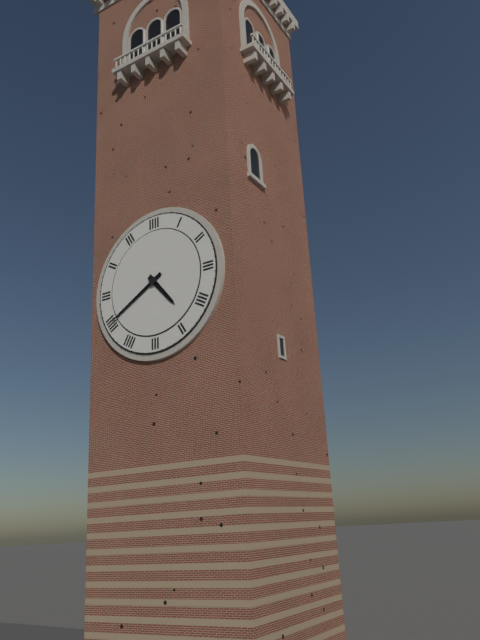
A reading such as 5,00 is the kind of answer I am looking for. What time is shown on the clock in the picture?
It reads 4,40
